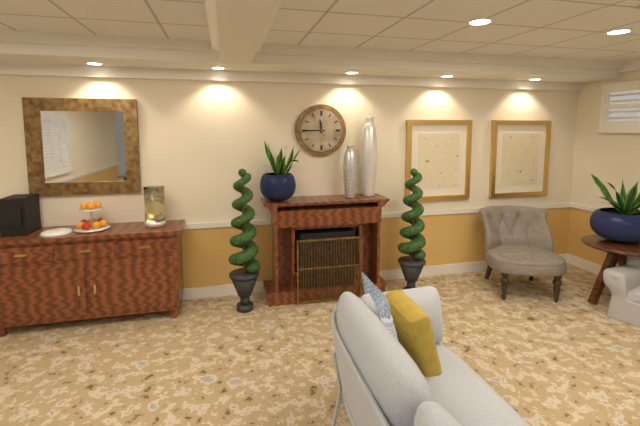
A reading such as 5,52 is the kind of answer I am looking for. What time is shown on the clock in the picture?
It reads 11,45
